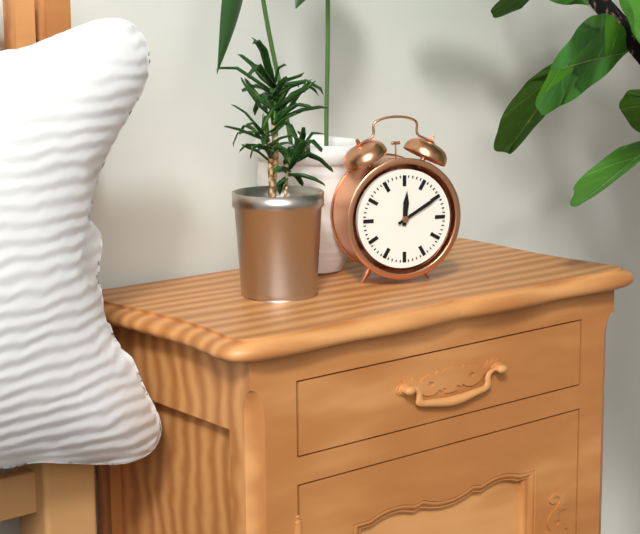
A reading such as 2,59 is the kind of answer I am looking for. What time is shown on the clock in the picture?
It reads 12,10
